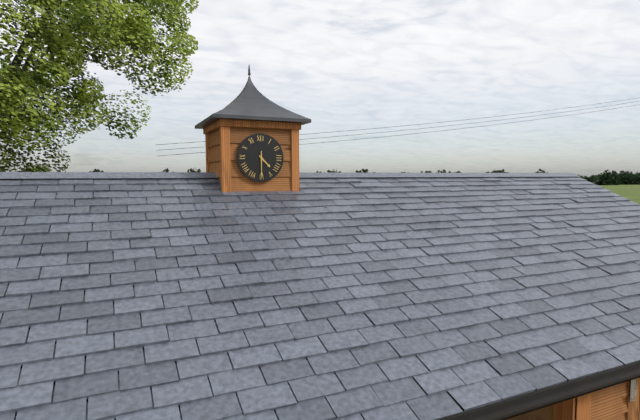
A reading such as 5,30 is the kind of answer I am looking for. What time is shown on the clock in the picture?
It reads 4,30
